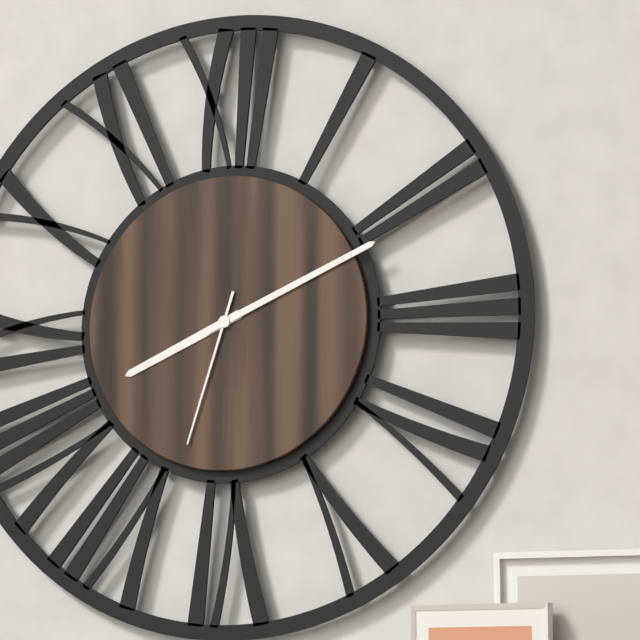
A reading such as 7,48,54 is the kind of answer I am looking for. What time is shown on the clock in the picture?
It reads 8,11,33
